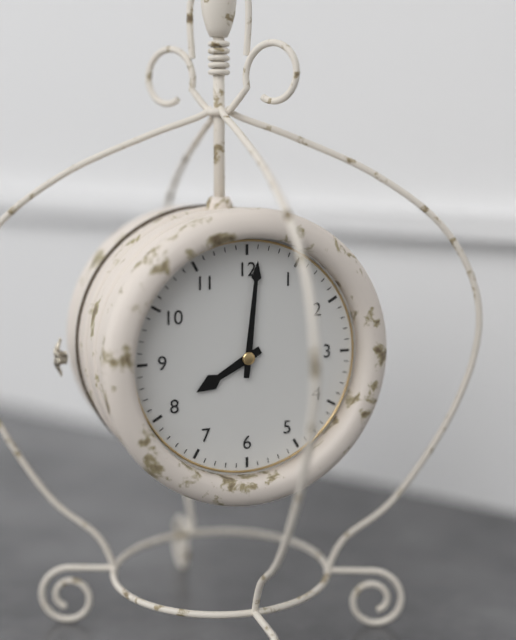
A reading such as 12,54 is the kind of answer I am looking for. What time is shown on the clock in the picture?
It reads 8,01
